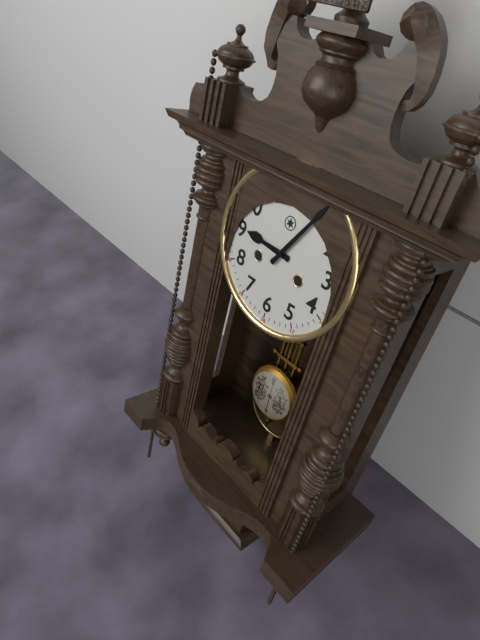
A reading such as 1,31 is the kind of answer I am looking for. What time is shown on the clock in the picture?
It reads 9,05
